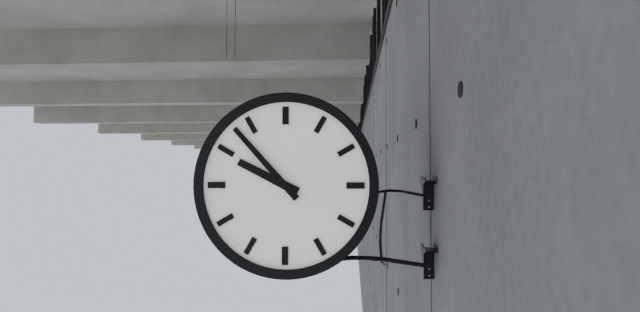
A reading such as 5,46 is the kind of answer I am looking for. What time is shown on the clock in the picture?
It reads 9,53
